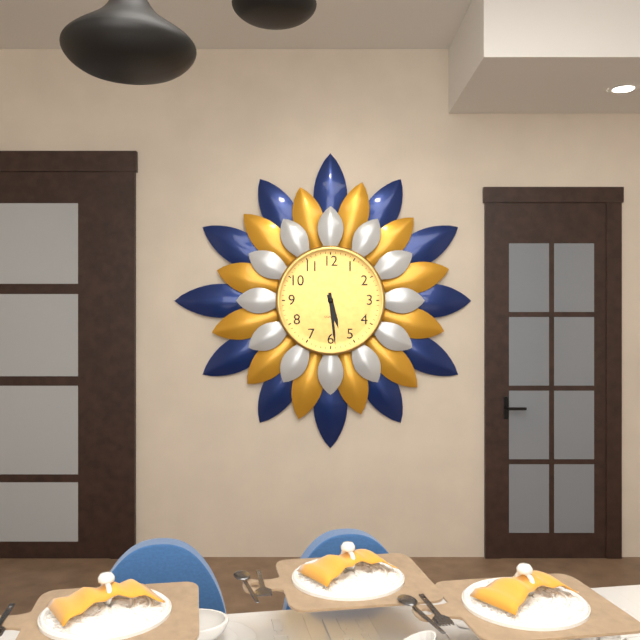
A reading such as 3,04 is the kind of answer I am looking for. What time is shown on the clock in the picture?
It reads 5,29
